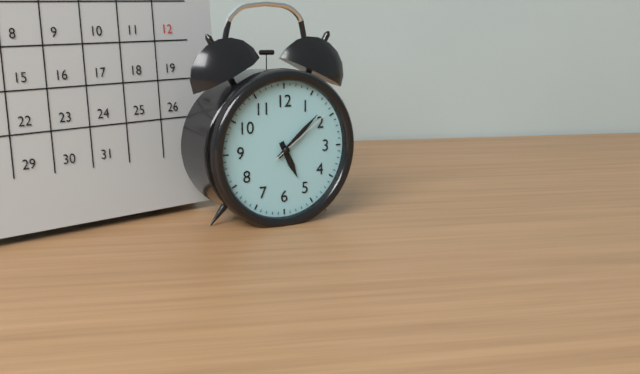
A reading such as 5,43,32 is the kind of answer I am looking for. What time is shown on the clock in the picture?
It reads 5,08,09
